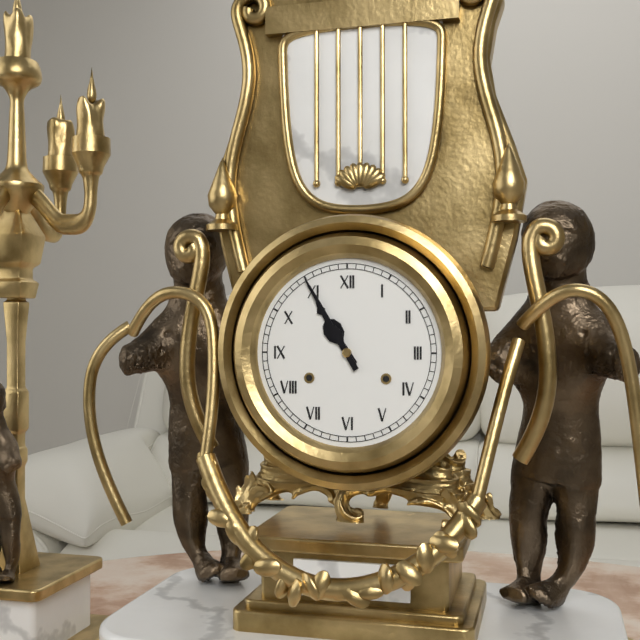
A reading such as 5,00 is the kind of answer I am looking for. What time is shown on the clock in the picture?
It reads 10,55
